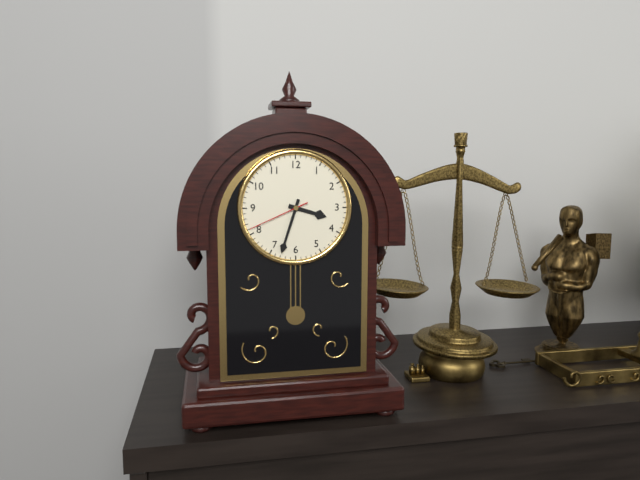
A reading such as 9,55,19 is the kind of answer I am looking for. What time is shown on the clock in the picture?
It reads 3,33,41
